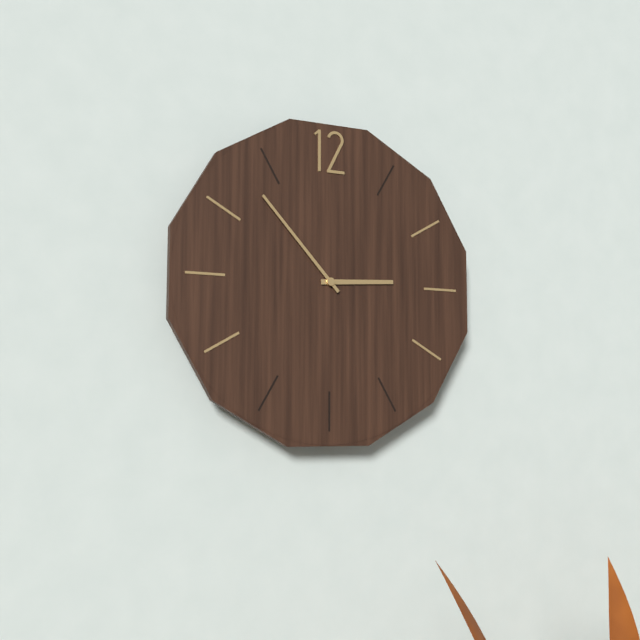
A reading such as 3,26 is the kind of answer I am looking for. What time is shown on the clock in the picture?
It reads 2,53
